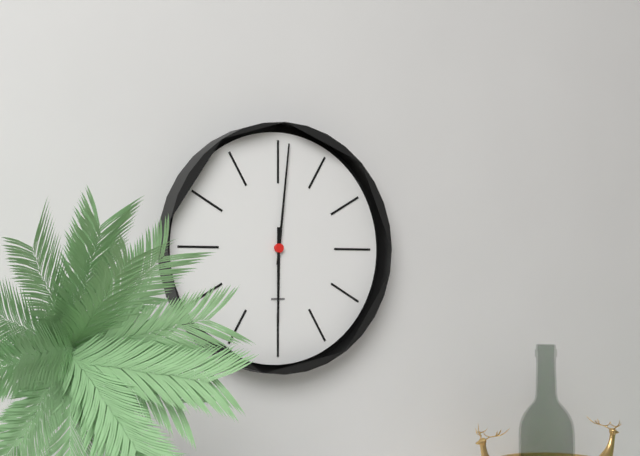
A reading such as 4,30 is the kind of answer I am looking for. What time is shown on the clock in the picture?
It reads 6,01
